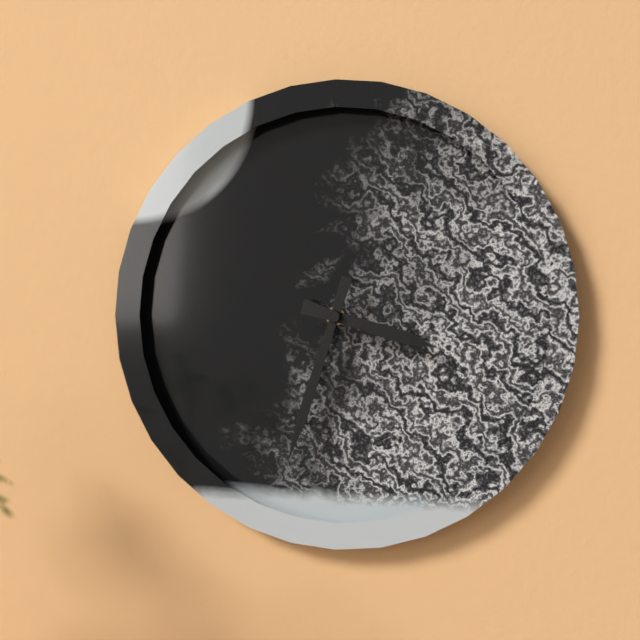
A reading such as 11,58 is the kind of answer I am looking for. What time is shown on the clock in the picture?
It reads 3,33
